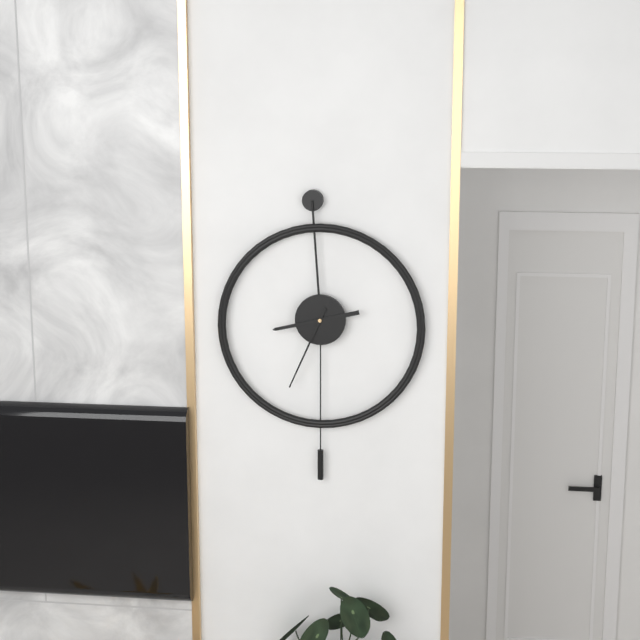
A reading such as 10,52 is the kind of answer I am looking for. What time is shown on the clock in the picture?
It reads 8,34
